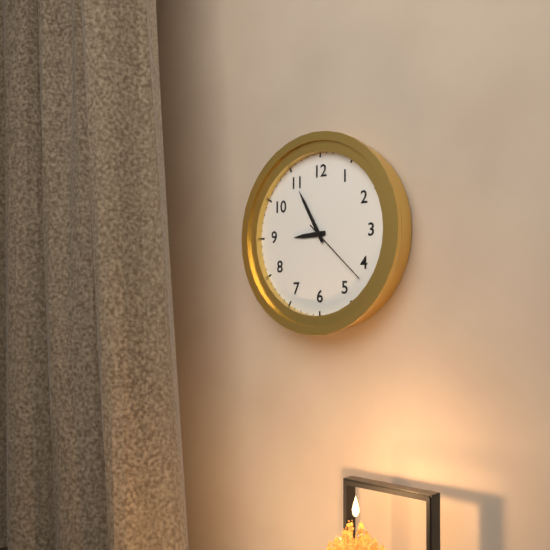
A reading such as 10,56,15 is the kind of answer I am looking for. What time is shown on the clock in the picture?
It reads 8,55,22
